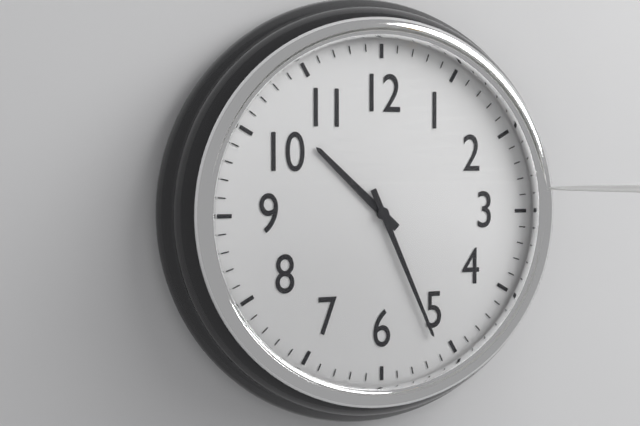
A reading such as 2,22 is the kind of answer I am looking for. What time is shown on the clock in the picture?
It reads 10,26
